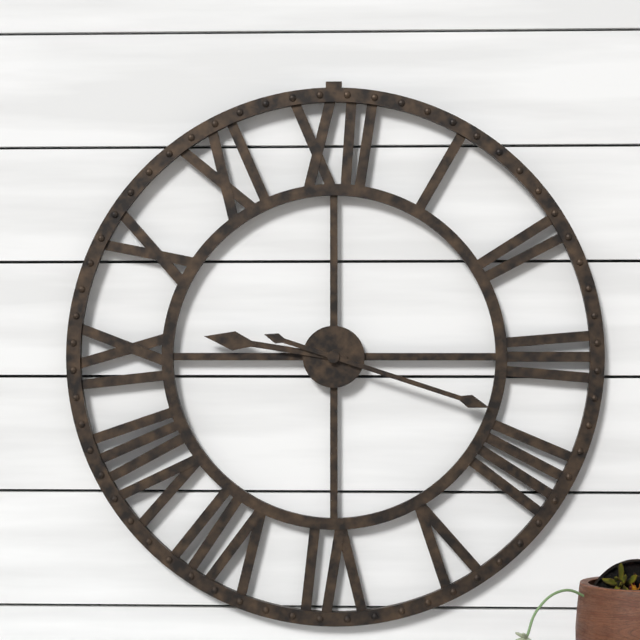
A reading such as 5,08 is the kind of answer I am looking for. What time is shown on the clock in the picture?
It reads 9,18
